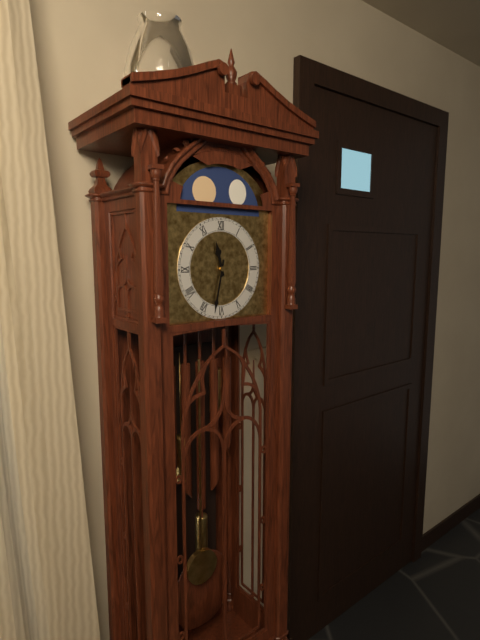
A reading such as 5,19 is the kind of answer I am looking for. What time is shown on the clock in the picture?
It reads 11,32
